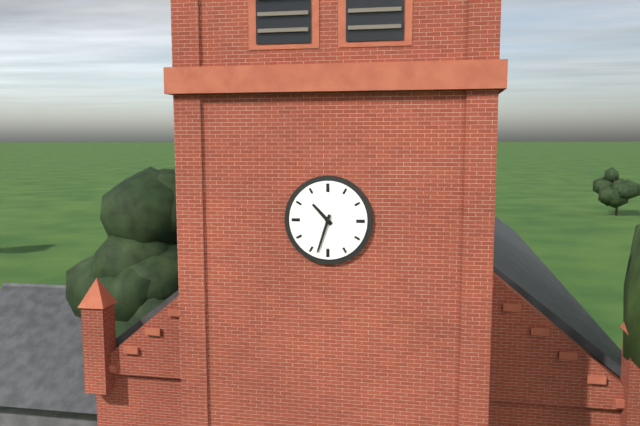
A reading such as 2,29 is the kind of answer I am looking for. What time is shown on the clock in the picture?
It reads 10,33
